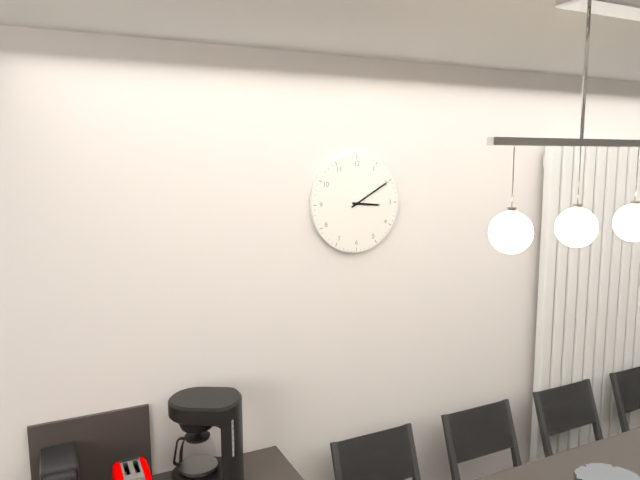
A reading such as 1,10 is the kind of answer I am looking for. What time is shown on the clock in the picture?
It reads 3,10
